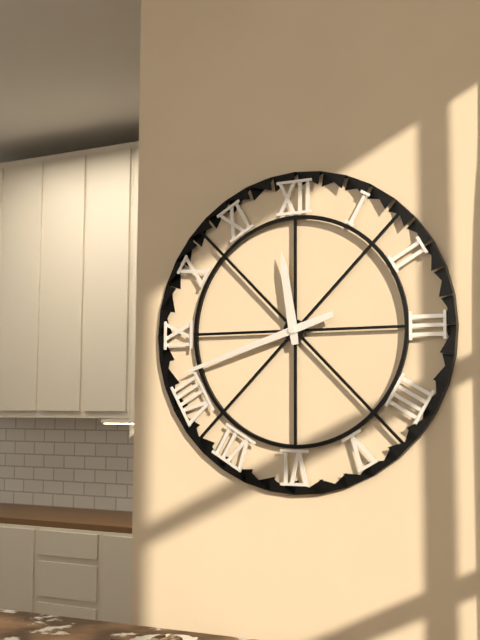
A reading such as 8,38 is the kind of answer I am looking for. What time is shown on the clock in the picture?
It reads 11,42
